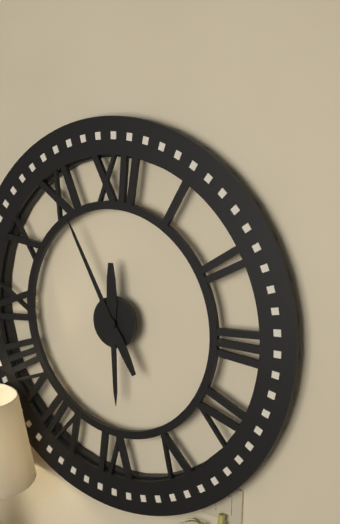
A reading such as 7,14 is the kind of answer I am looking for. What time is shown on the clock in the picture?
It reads 5,55
